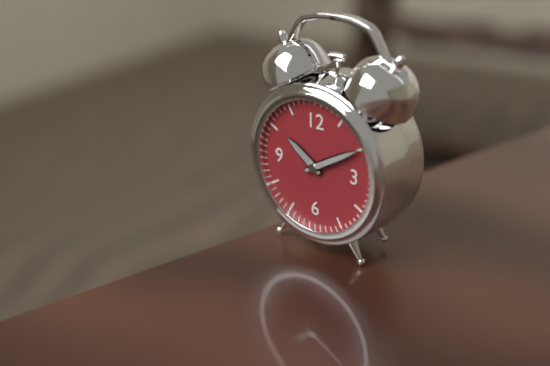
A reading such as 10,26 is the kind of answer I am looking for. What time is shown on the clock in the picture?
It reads 10,10
